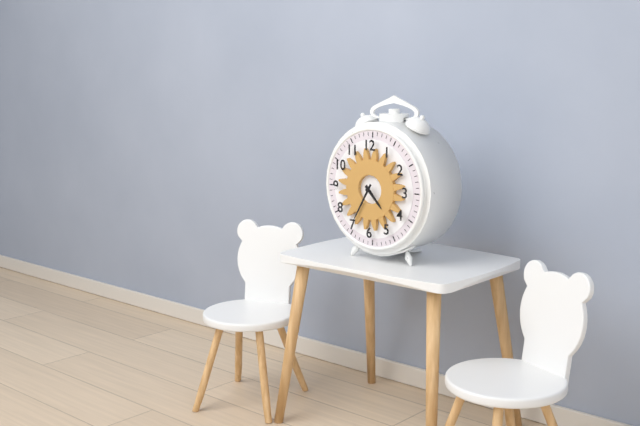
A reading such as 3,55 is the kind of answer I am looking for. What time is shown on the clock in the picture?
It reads 4,35
